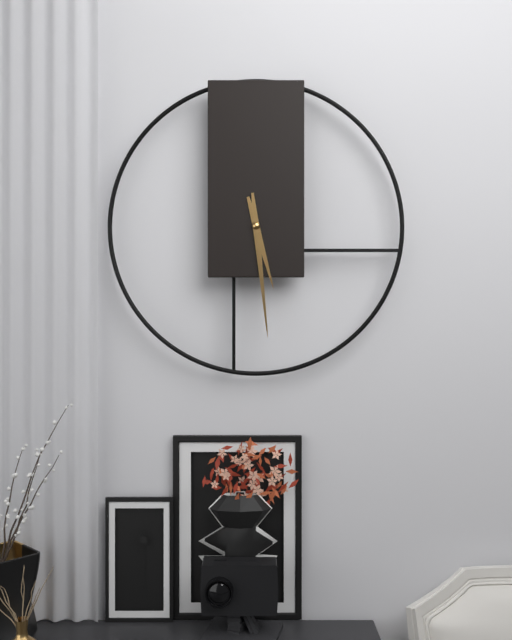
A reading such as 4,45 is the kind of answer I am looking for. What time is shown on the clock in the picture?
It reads 5,29
